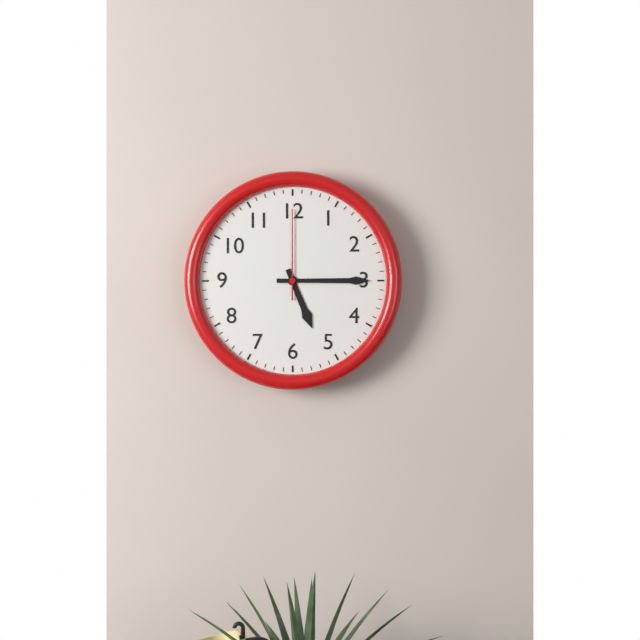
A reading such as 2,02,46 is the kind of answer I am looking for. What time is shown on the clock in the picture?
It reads 5,15,00
